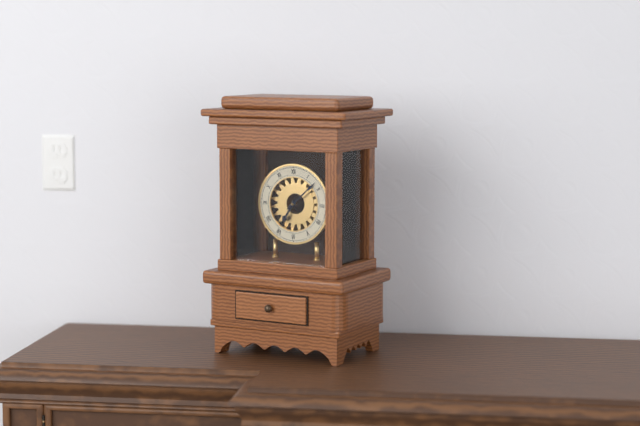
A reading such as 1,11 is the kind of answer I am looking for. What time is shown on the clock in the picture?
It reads 7,08
